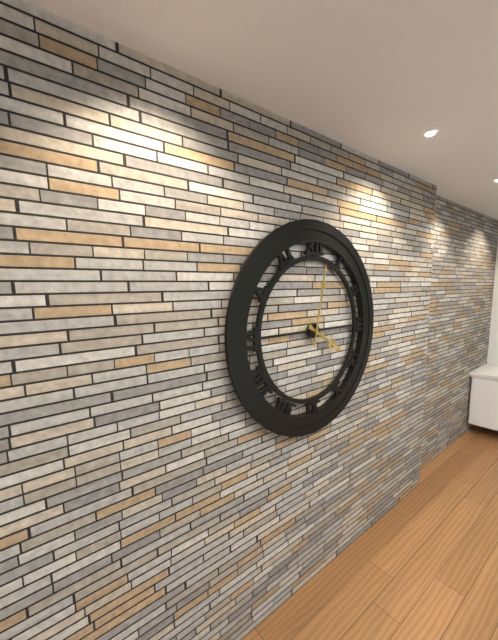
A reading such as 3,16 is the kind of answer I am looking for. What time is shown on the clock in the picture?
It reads 4,02
